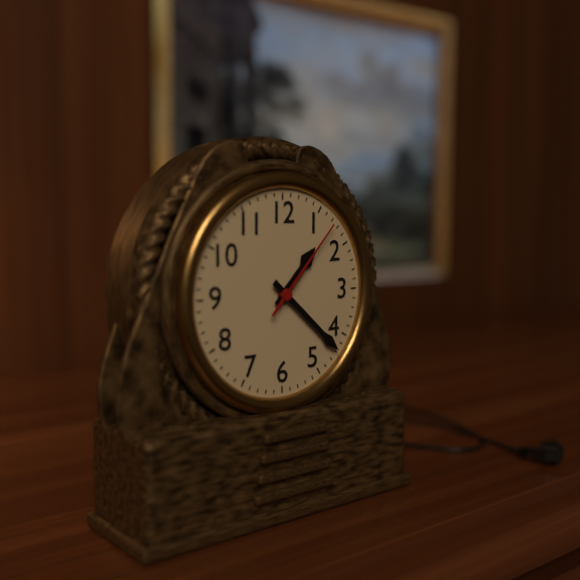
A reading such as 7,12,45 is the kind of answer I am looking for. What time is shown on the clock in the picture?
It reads 1,22,07
